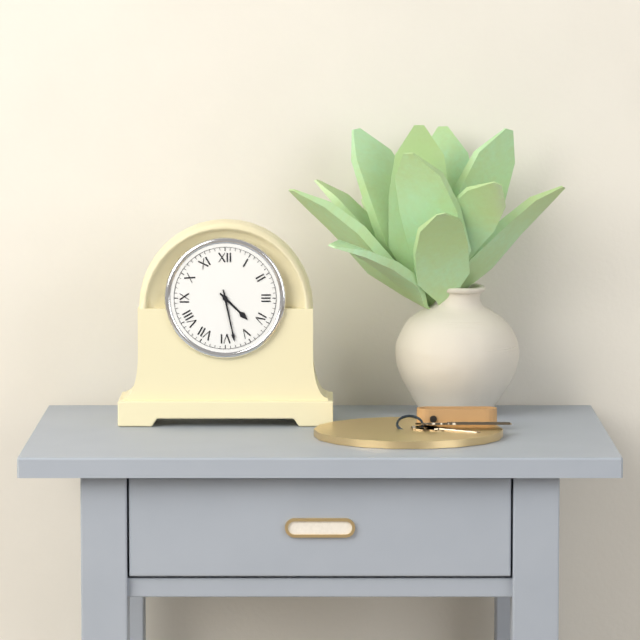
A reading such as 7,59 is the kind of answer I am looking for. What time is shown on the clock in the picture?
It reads 4,28
